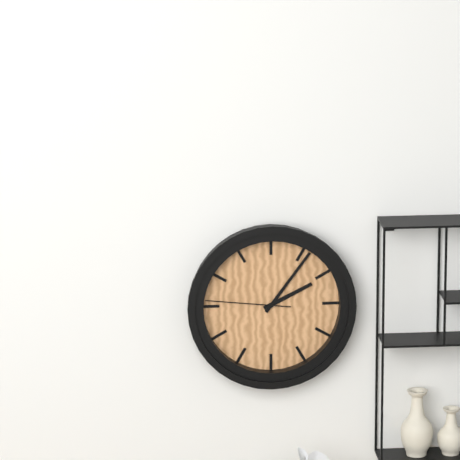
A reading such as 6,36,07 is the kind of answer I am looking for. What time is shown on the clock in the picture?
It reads 2,06,46
